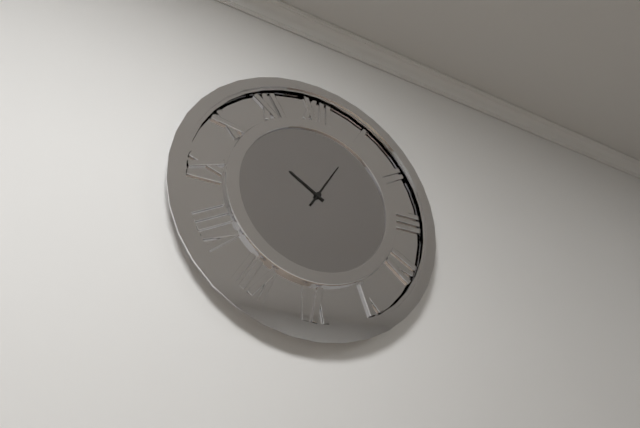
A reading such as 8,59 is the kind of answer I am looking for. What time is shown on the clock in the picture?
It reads 10,05
